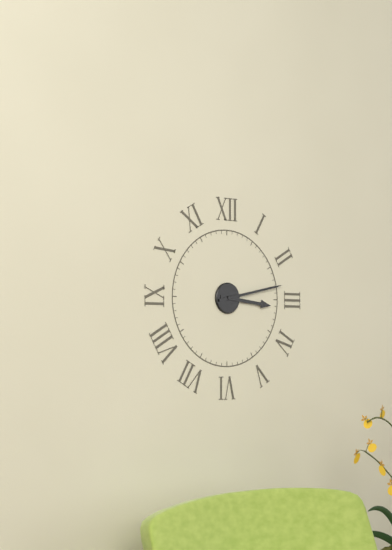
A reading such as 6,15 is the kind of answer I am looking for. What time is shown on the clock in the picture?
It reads 3,13
